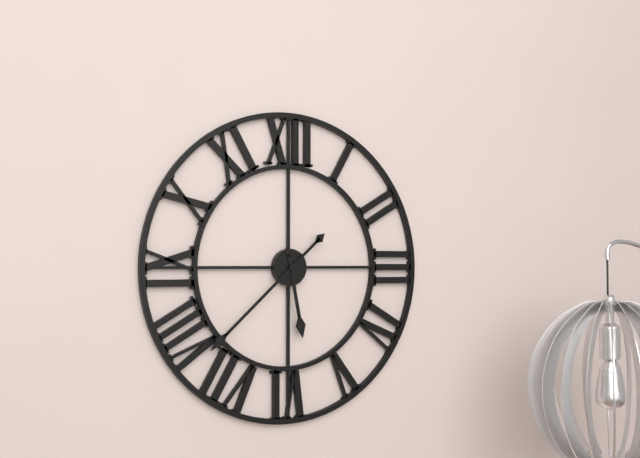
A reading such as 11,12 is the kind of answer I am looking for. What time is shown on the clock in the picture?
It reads 5,38
